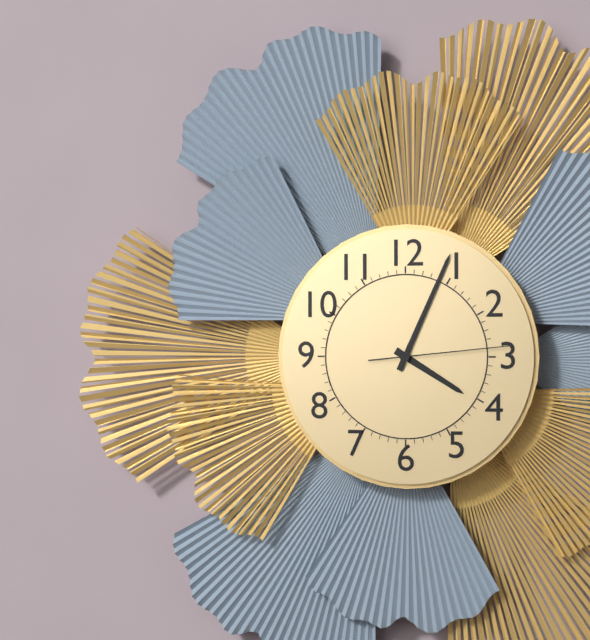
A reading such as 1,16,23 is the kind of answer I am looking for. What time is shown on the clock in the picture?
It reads 4,04,14
